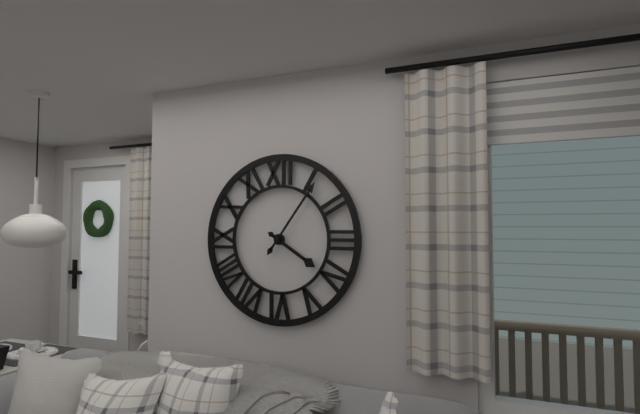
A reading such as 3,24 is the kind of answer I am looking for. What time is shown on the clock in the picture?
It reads 4,06
